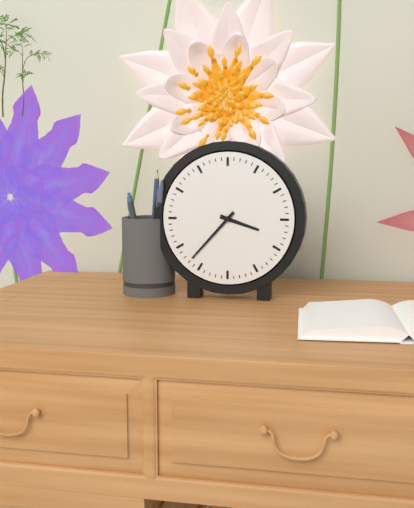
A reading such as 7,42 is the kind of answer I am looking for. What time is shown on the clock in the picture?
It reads 3,37
